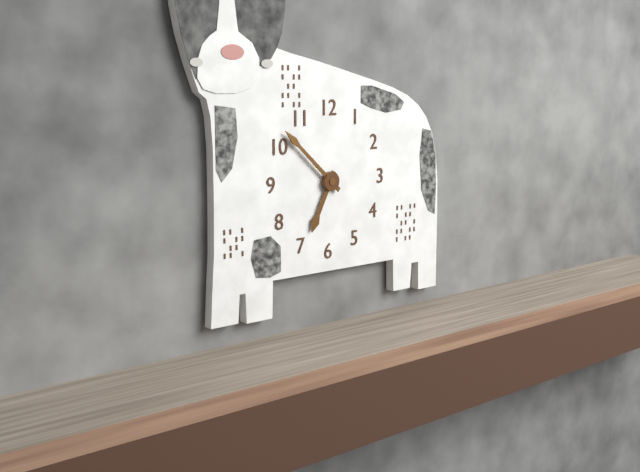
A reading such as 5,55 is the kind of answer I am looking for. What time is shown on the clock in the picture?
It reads 6,52
